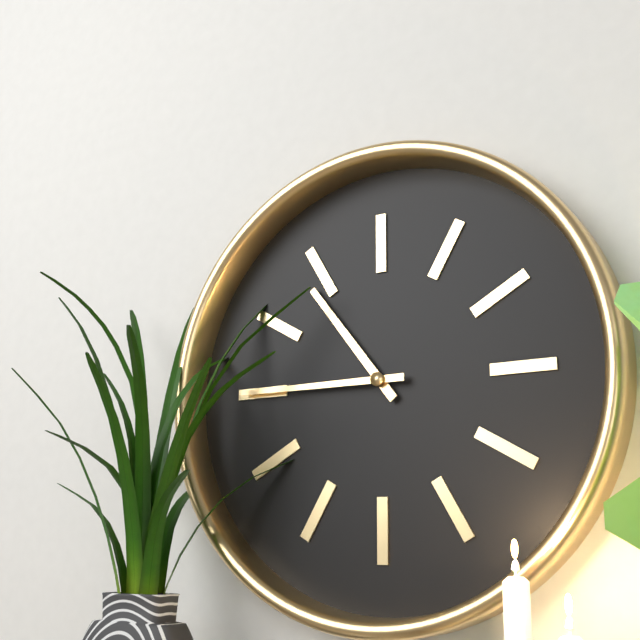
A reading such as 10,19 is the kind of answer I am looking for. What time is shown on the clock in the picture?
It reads 10,45
